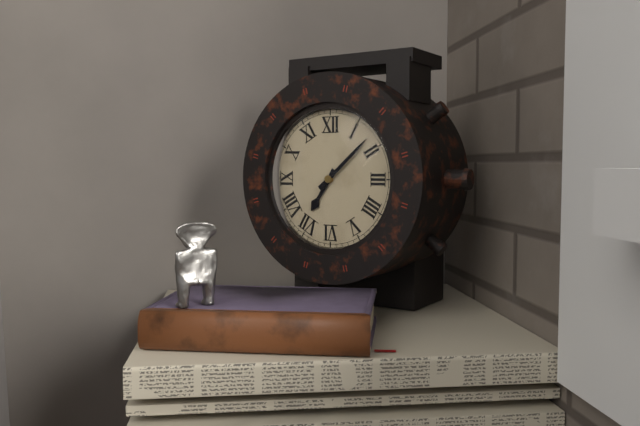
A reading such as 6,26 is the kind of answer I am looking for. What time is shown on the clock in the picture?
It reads 7,08
